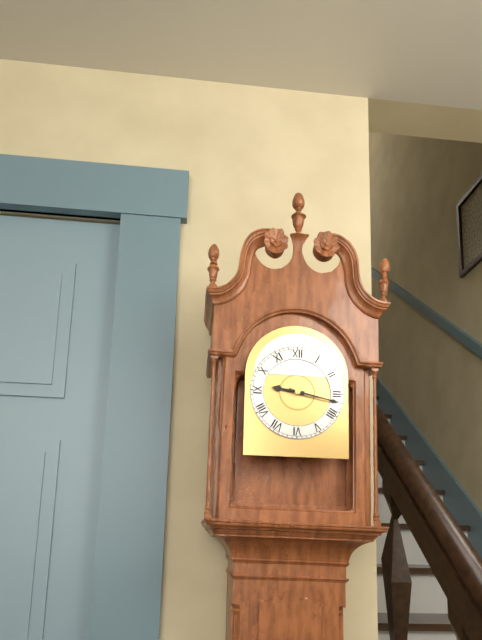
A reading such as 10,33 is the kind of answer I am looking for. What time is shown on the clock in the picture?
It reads 9,17
